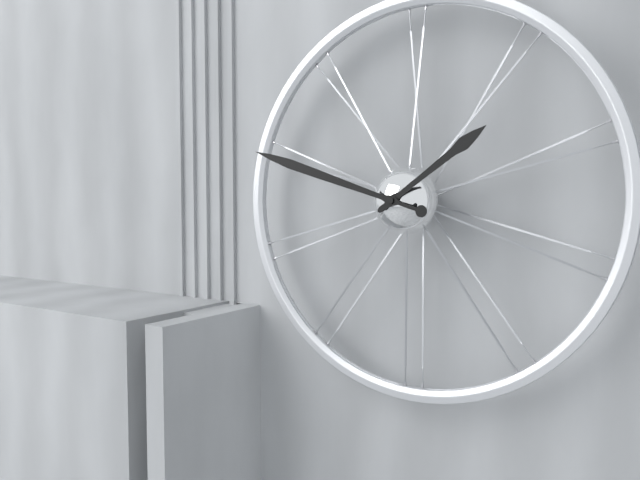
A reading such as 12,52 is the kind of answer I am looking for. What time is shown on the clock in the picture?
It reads 1,48
